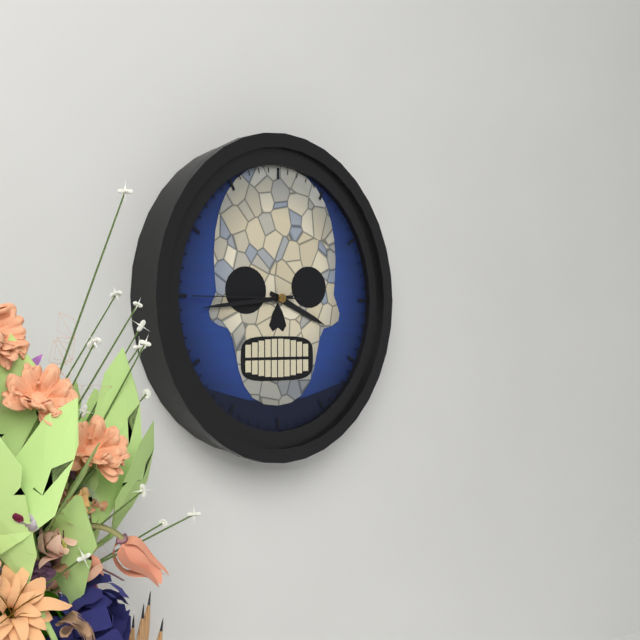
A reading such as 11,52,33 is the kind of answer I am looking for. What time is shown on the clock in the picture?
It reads 3,44,45
